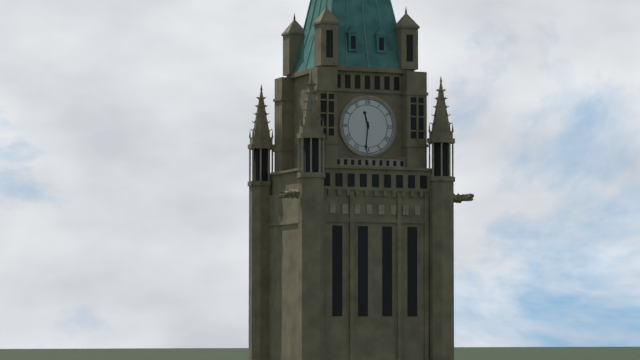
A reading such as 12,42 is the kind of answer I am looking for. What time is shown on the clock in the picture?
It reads 11,31
